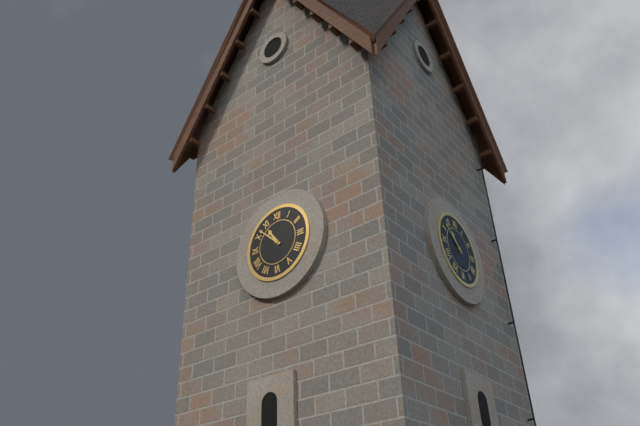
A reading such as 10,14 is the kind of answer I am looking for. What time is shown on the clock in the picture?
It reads 10,52
